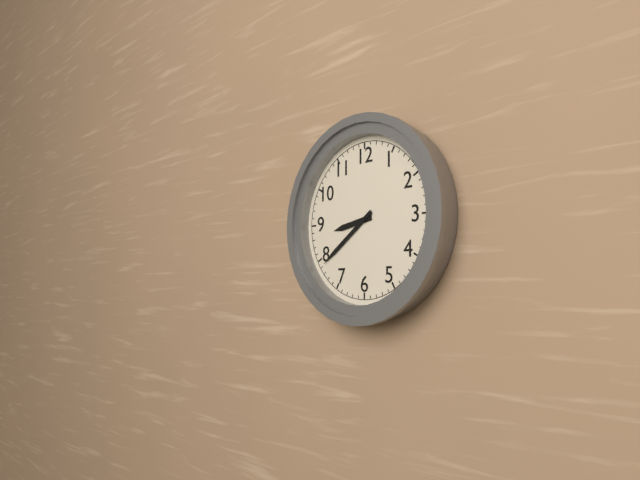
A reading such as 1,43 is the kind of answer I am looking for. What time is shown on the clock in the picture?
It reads 8,39
